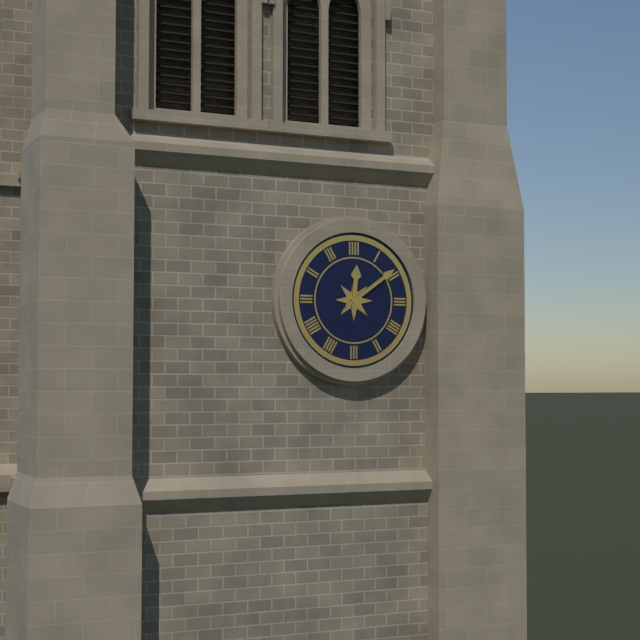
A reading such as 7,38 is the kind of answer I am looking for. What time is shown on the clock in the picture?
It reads 12,09
